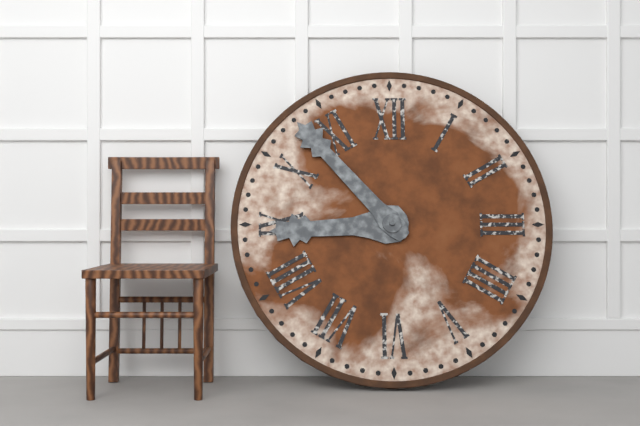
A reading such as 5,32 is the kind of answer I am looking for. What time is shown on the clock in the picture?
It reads 8,53
